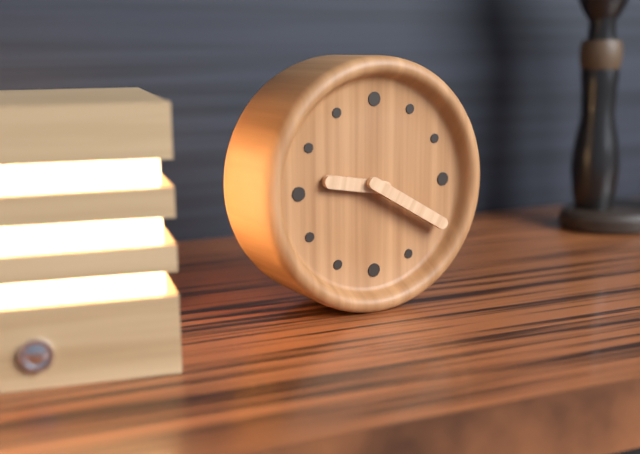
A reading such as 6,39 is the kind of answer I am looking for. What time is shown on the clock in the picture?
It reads 9,20
